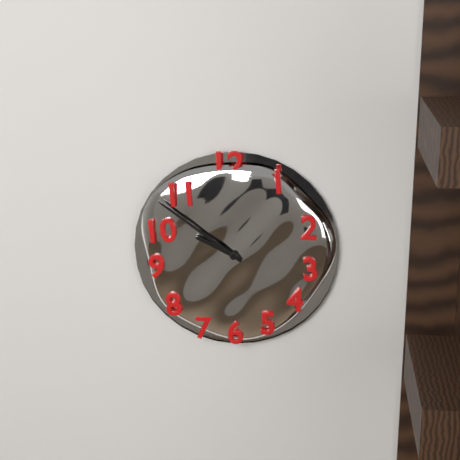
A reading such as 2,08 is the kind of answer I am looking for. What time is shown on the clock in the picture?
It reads 9,51
